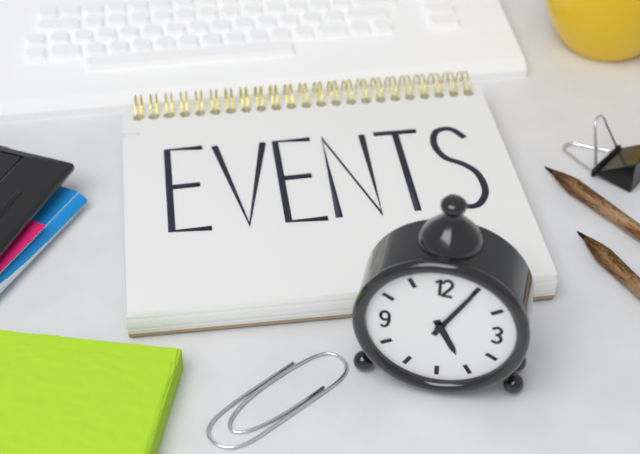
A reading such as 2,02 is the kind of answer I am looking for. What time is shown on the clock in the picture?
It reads 5,05
